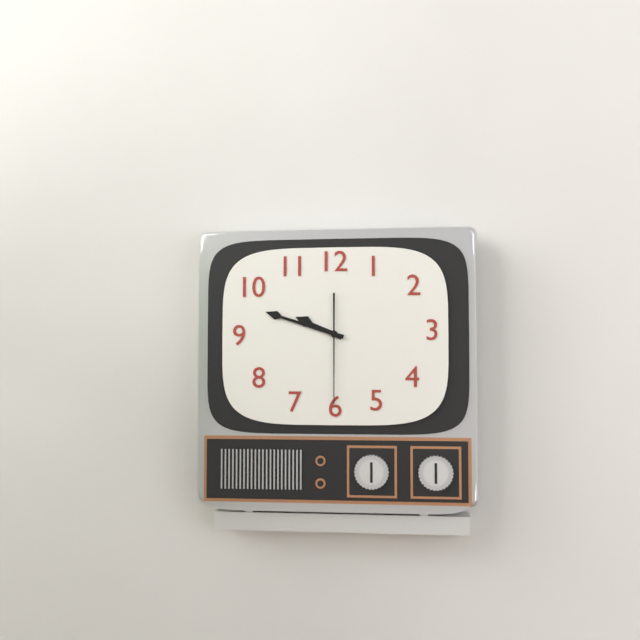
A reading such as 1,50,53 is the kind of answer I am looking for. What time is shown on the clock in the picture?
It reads 9,48,30
